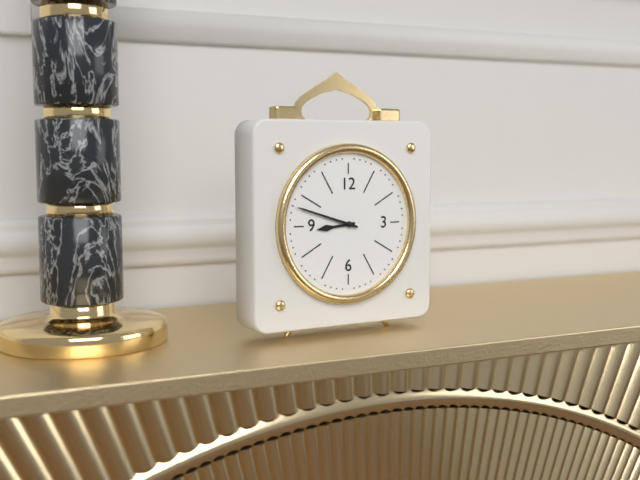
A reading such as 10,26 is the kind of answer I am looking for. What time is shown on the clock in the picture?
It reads 8,48
